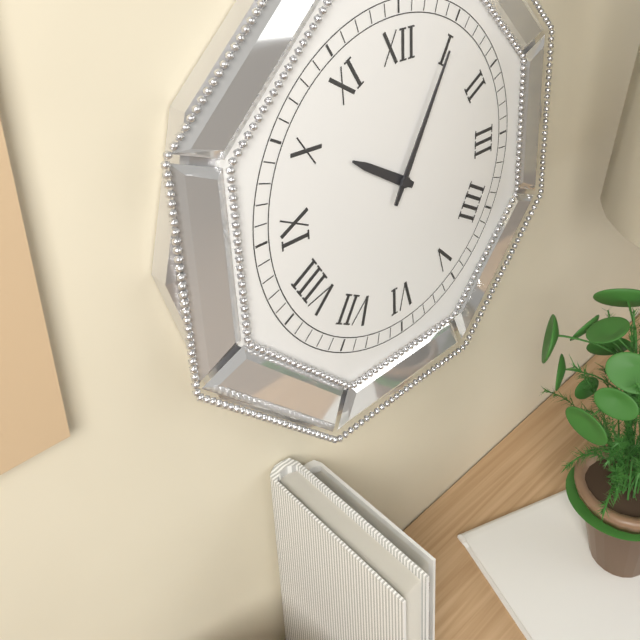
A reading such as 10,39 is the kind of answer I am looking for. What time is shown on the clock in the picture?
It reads 10,05
